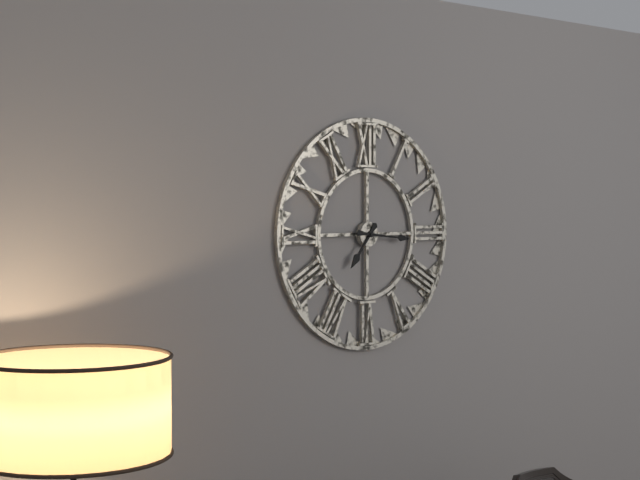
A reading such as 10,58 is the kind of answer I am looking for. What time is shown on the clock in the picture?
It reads 7,16
